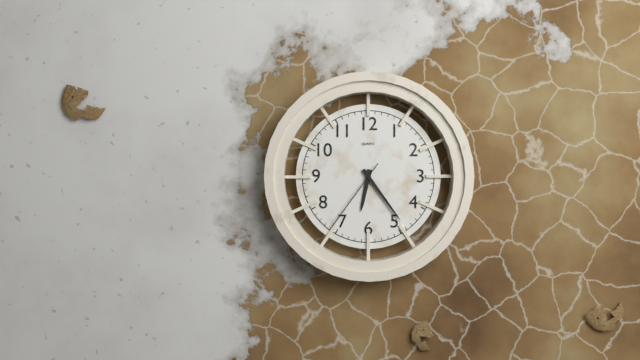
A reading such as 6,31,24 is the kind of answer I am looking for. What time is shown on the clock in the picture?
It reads 6,24,36
